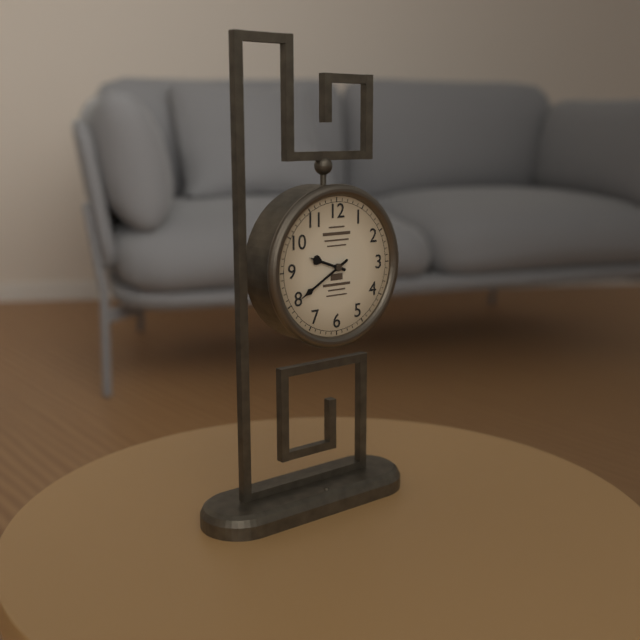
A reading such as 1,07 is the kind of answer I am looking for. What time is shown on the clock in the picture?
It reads 9,40
